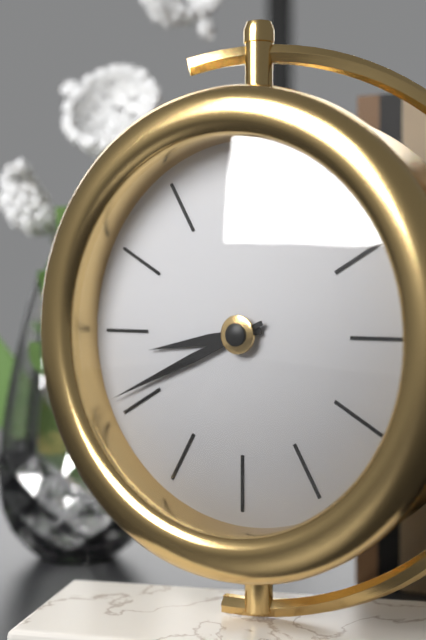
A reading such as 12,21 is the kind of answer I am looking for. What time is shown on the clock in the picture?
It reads 8,41
